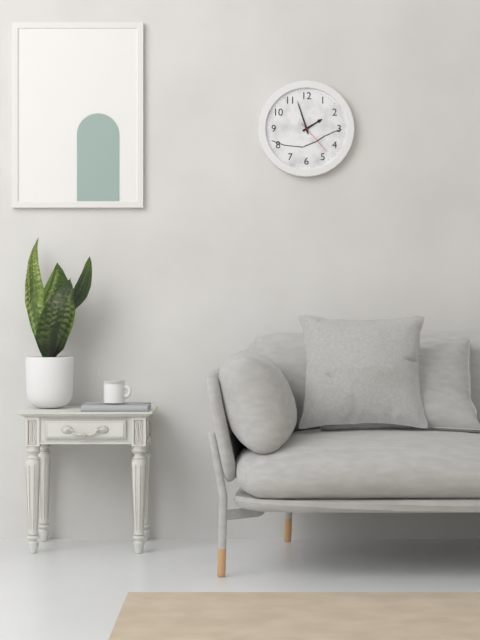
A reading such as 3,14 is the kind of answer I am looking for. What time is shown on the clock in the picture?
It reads 1,57
